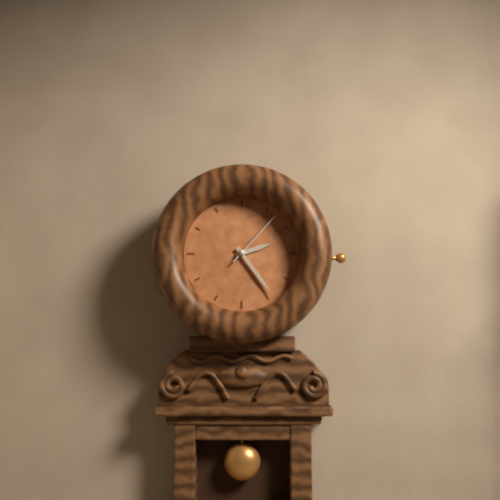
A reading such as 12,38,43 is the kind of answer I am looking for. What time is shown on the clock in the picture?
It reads 2,24,07
